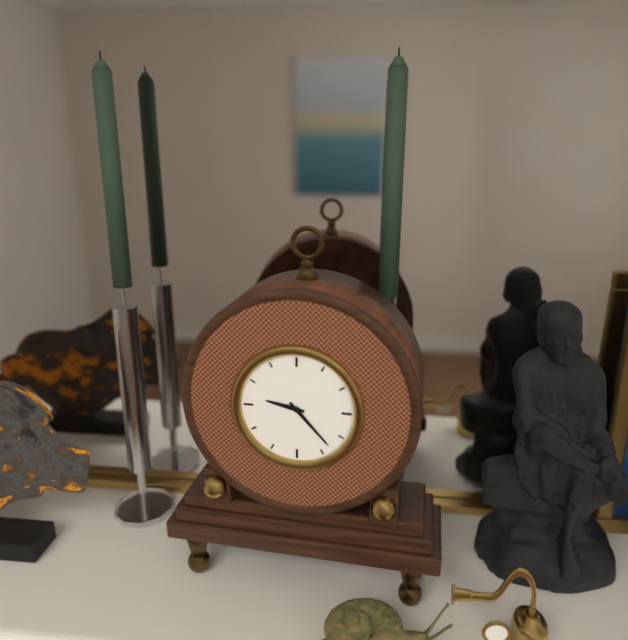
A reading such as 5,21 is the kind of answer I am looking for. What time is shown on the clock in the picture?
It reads 9,23
